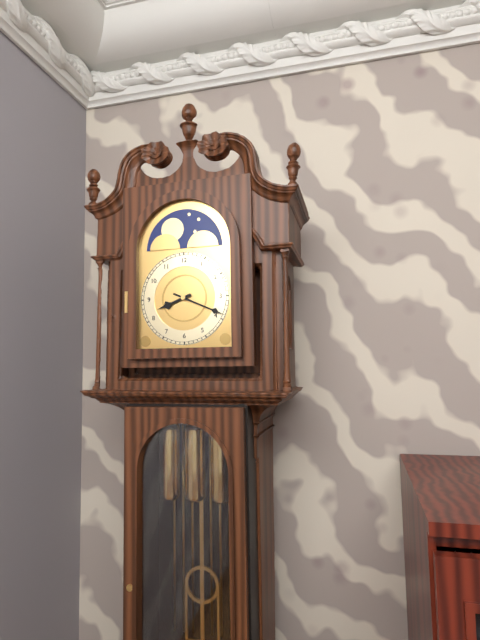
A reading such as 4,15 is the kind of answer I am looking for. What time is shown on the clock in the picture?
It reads 8,19
